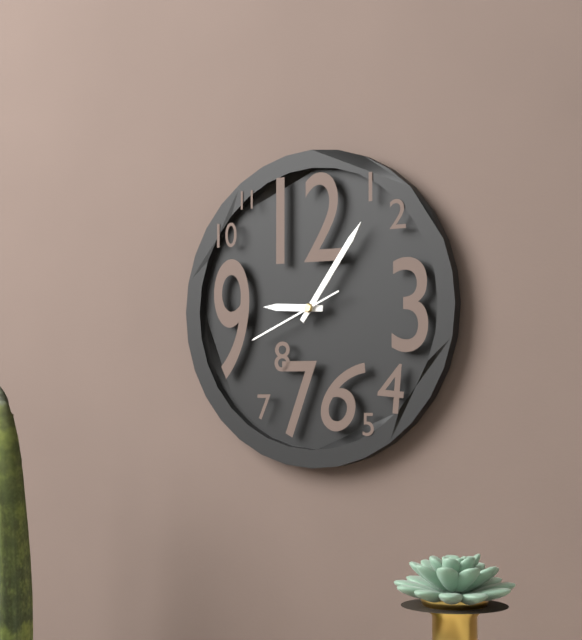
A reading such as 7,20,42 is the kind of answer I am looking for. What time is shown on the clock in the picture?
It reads 9,06,41
